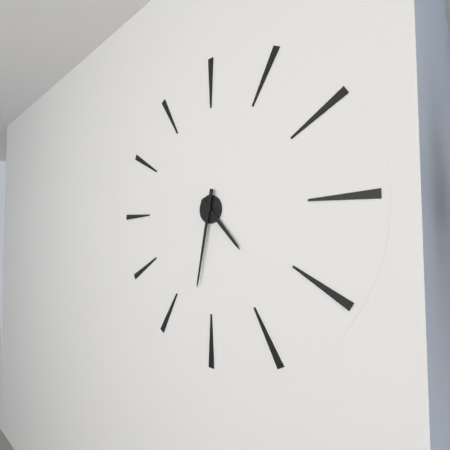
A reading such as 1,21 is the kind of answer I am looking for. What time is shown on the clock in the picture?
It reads 4,32
